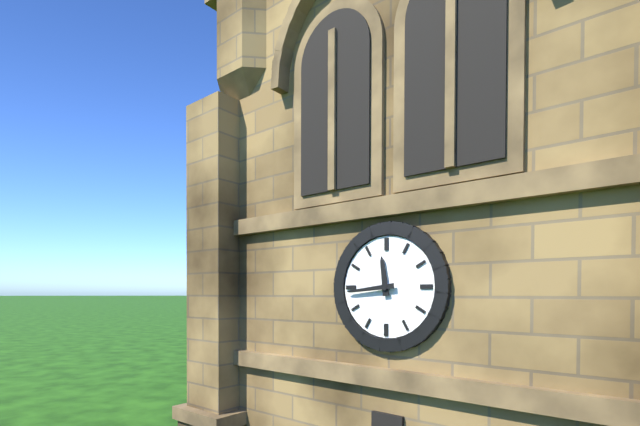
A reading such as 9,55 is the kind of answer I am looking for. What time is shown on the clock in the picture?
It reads 11,44
